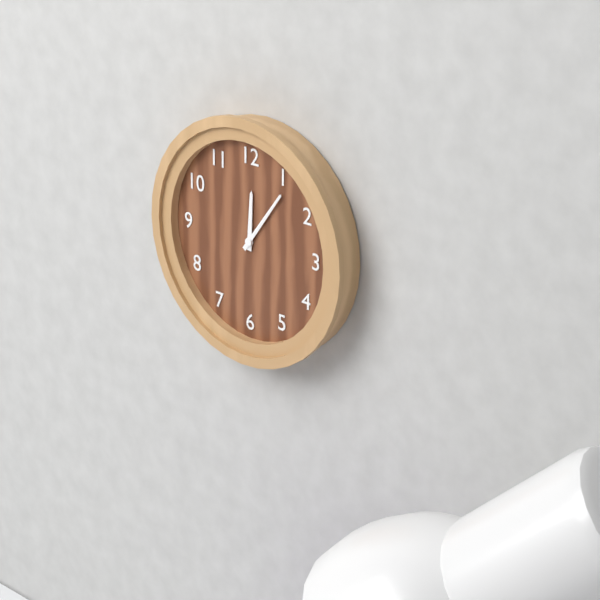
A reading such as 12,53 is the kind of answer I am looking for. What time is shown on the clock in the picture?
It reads 12,06
